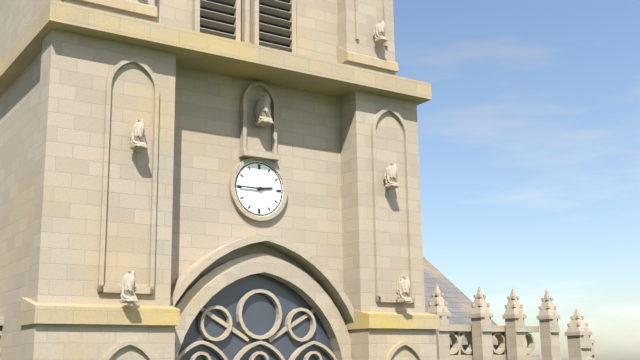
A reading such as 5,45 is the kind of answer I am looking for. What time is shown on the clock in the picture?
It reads 2,45
